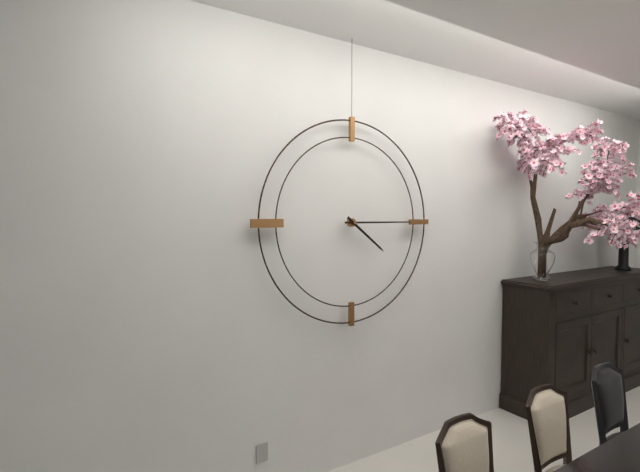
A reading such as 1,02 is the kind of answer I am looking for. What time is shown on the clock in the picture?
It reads 4,15
